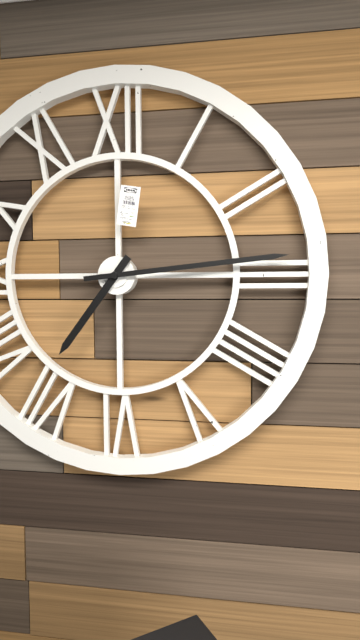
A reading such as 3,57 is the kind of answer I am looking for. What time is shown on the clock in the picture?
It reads 7,14
